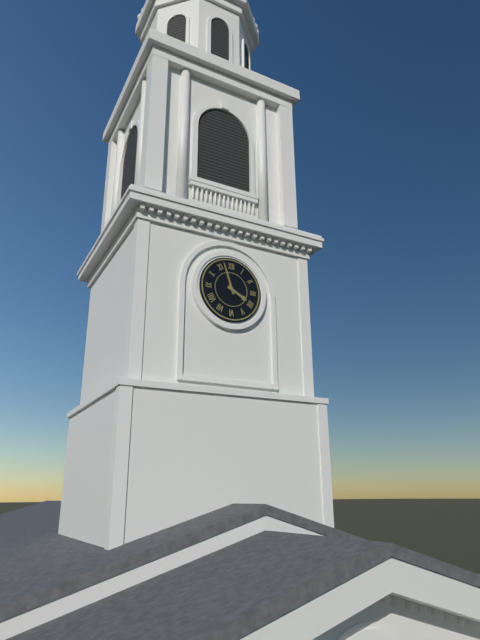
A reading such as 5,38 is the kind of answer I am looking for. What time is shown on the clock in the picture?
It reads 3,57
